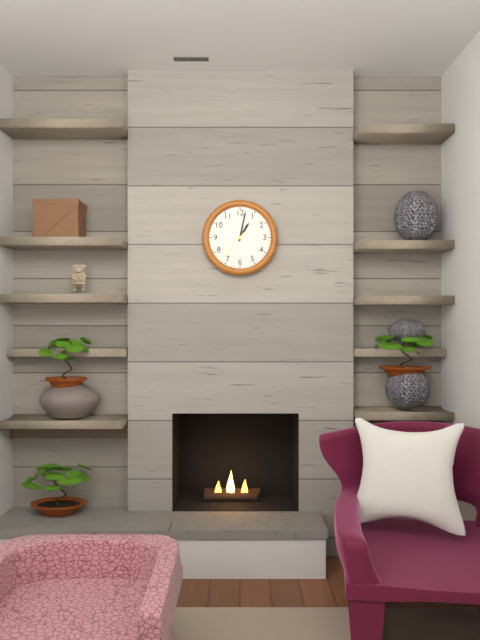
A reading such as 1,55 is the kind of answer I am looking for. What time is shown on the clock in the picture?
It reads 1,02
